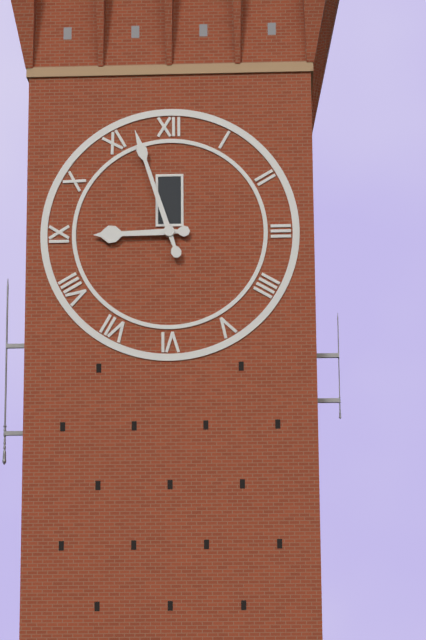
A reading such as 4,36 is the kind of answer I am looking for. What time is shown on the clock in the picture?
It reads 8,57
